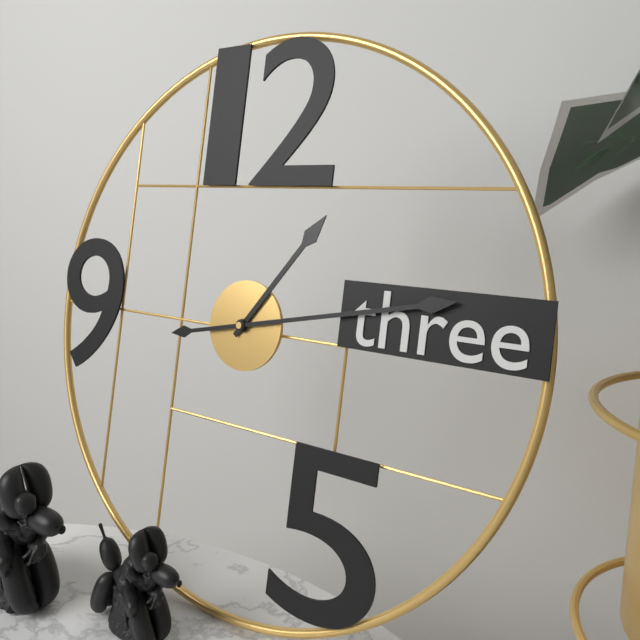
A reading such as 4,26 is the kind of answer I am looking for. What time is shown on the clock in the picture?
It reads 1,13
